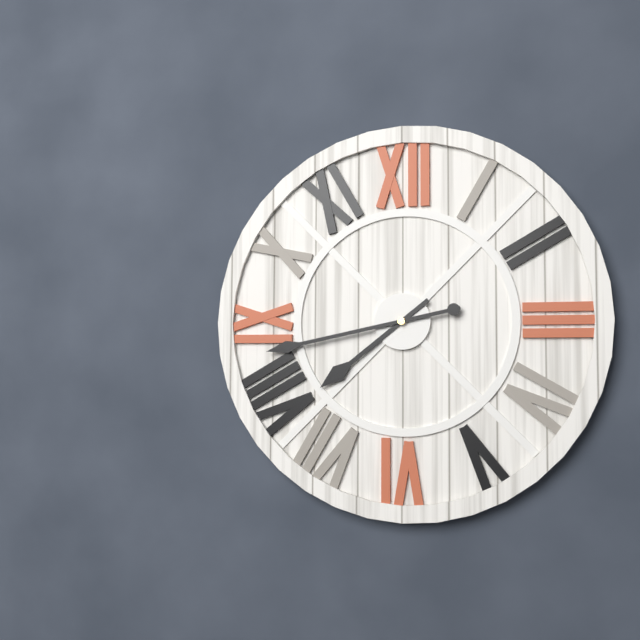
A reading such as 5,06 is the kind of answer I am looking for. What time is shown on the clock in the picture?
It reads 7,43
